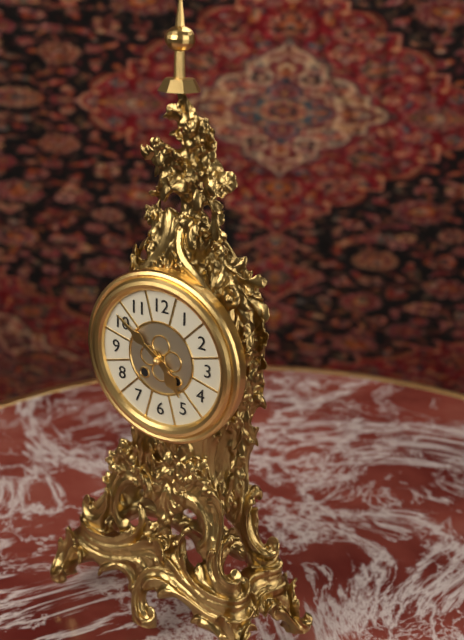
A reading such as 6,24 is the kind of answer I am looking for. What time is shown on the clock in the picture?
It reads 4,51
